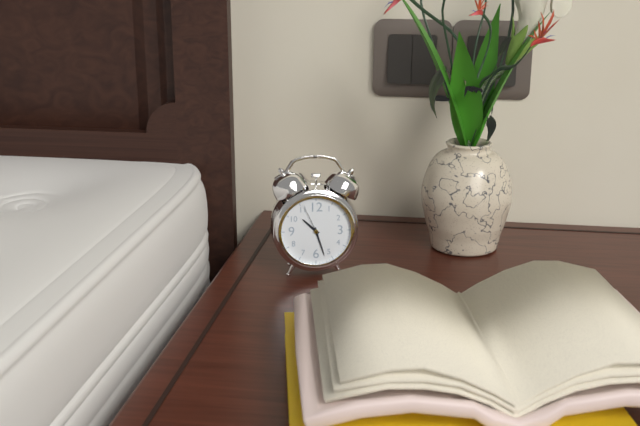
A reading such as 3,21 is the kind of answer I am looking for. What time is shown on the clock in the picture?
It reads 10,27
